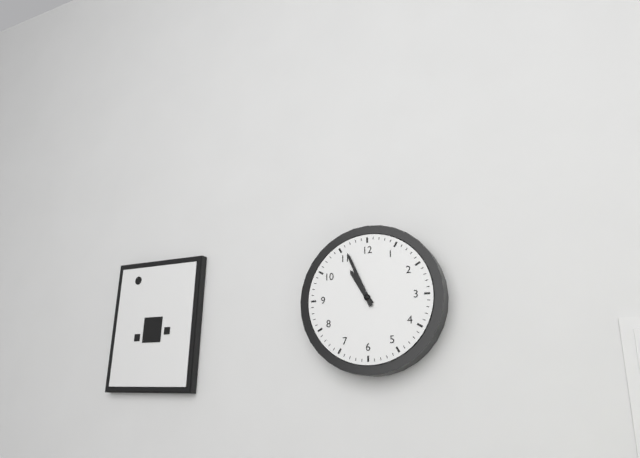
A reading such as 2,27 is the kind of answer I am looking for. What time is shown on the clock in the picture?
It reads 10,56
